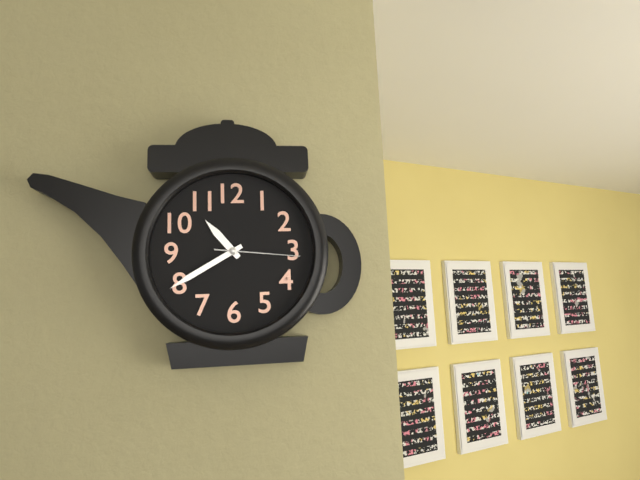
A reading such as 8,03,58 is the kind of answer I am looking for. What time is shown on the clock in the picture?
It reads 10,40,16
